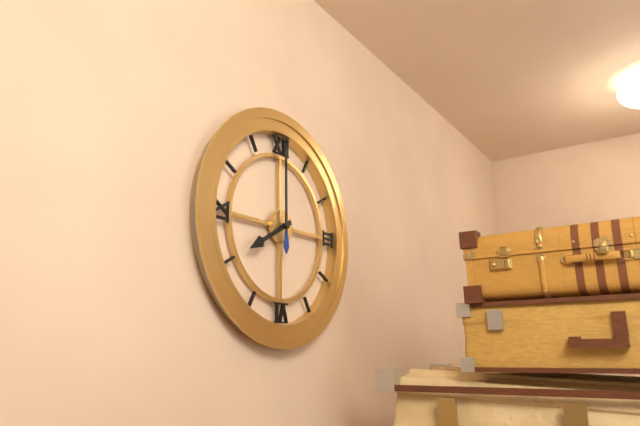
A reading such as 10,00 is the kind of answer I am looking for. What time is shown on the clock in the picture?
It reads 8,00
